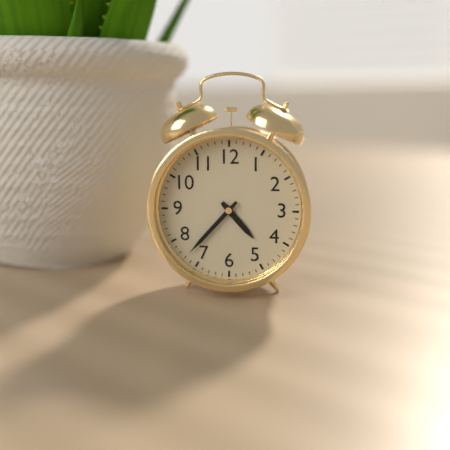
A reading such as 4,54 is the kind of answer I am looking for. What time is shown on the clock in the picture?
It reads 4,37
